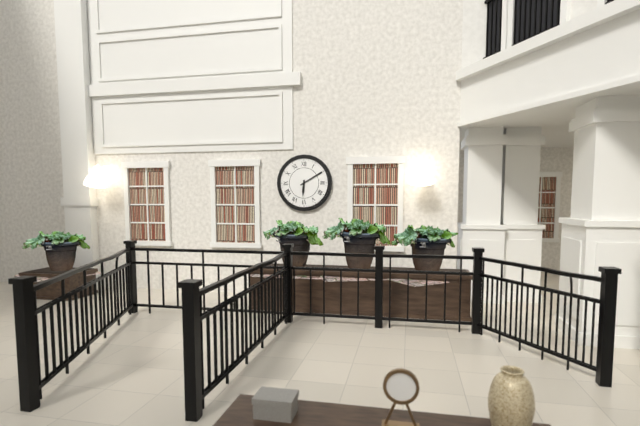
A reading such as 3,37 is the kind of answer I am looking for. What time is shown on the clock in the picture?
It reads 6,10
